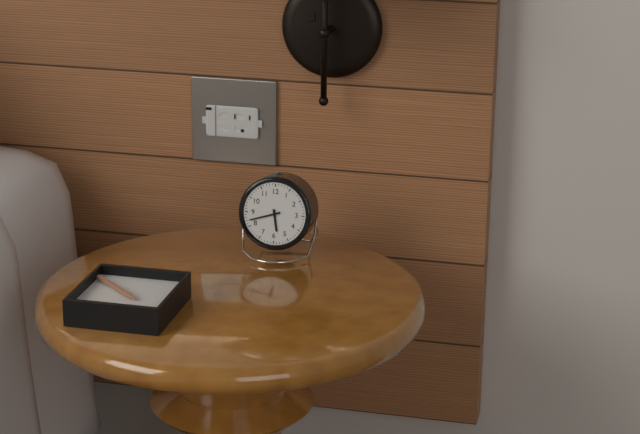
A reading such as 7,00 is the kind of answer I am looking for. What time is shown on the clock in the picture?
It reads 5,42
